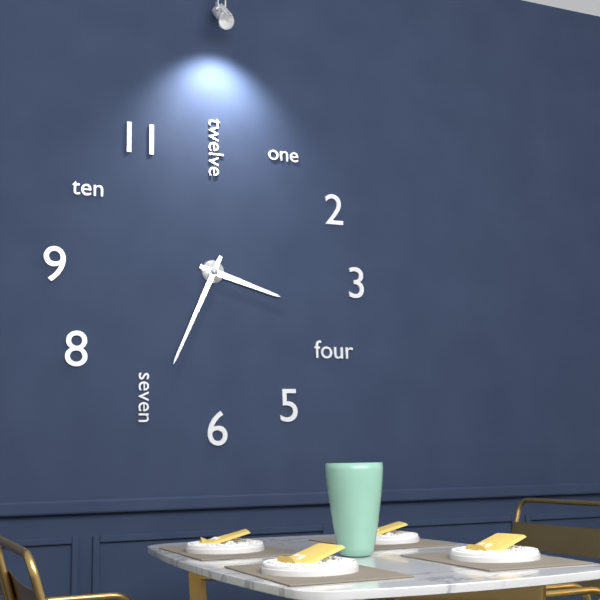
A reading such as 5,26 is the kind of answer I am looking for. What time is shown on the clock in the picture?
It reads 3,34
